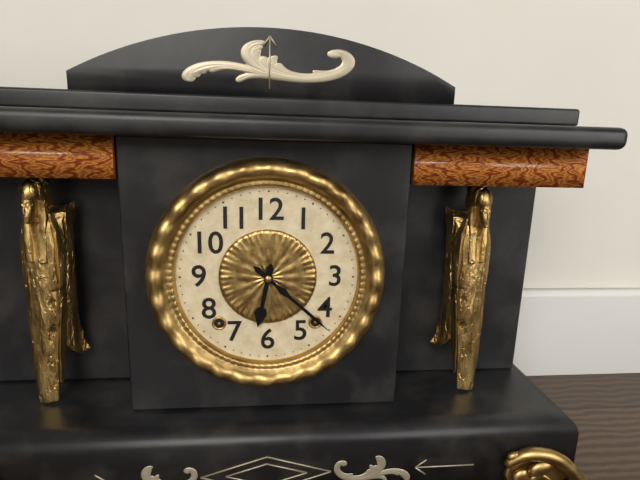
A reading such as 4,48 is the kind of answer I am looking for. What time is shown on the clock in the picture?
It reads 6,22
